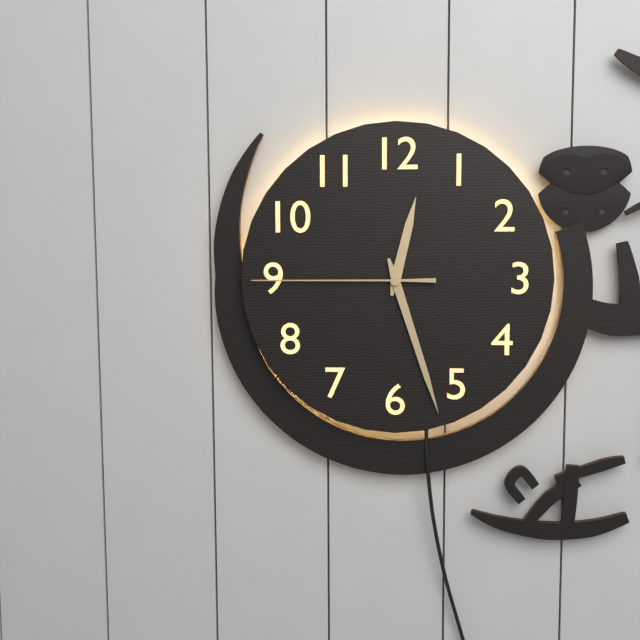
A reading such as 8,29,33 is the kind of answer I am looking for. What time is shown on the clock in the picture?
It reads 12,27,45
